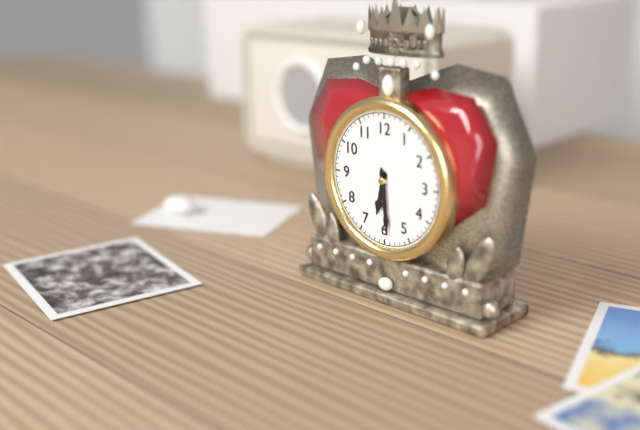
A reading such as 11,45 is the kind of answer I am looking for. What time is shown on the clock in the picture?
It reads 6,29
